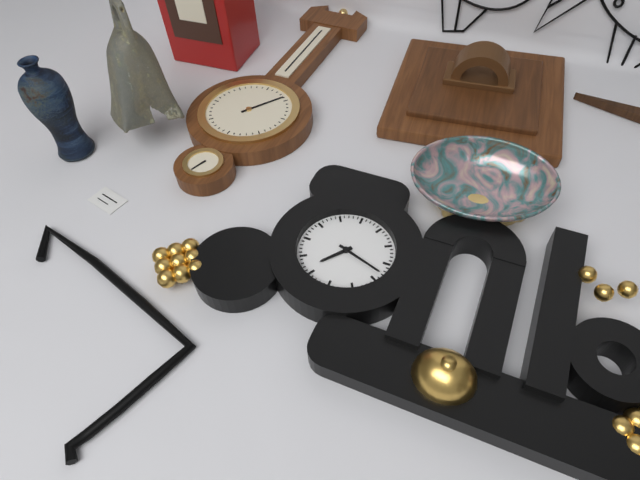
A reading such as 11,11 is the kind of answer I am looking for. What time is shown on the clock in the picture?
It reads 7,18
